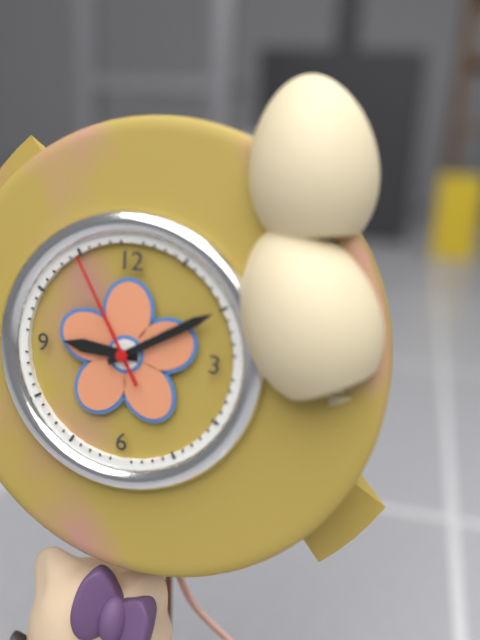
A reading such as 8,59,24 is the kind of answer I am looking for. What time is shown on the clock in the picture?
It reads 9,10,55
